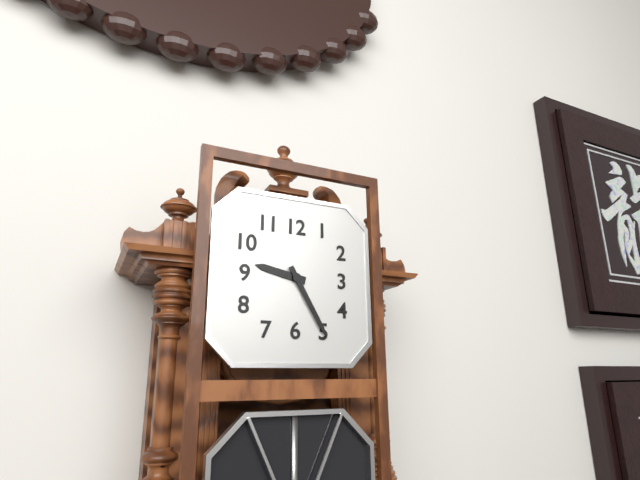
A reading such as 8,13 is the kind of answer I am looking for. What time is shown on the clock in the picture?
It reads 9,25
